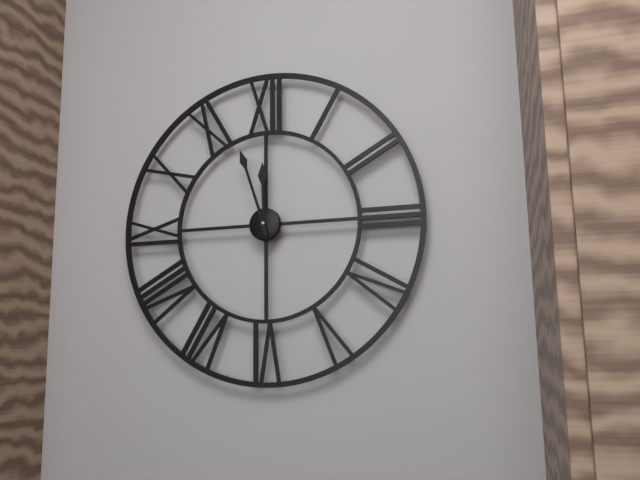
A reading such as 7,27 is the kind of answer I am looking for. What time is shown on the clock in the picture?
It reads 11,57
